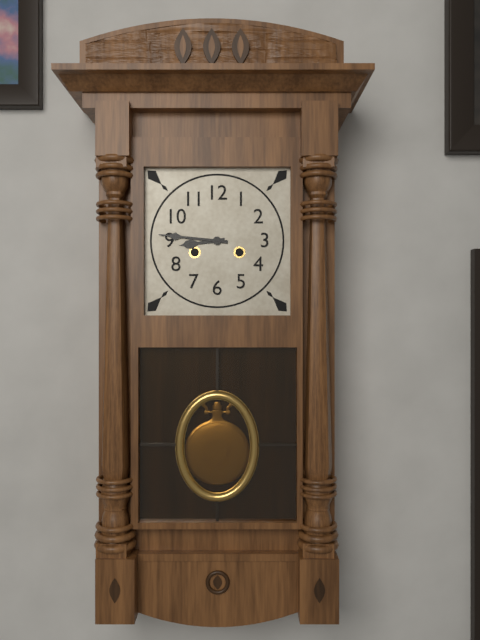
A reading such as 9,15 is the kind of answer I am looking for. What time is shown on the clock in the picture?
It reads 8,46
